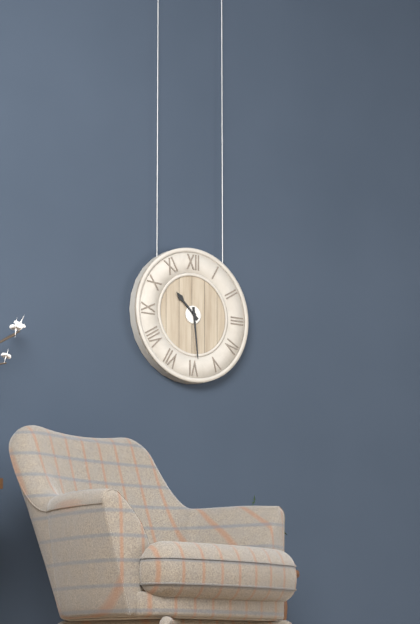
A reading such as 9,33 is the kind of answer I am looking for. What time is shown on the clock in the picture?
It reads 10,29
